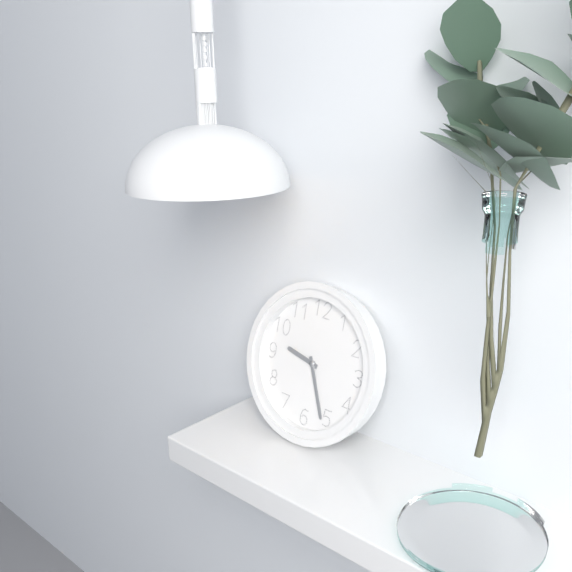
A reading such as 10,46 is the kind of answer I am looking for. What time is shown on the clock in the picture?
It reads 9,26
